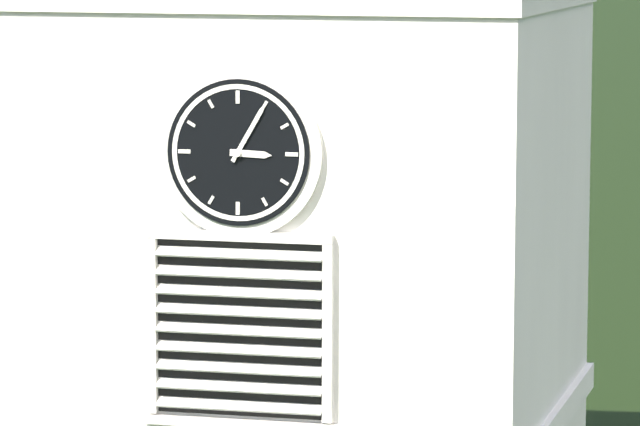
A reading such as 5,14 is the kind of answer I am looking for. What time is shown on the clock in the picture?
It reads 3,05
